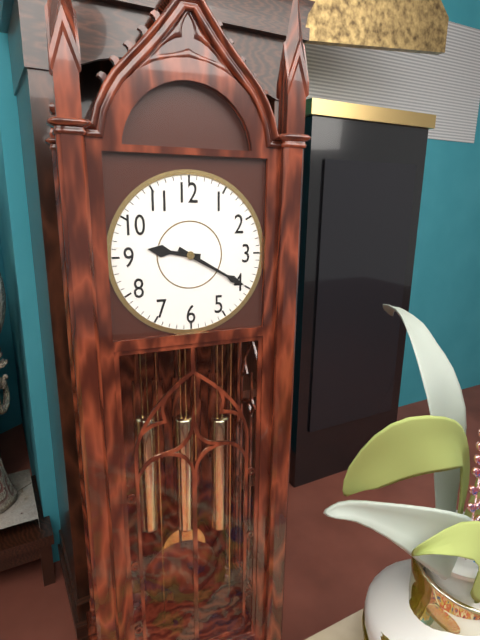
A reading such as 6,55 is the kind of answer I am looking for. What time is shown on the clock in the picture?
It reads 9,20
